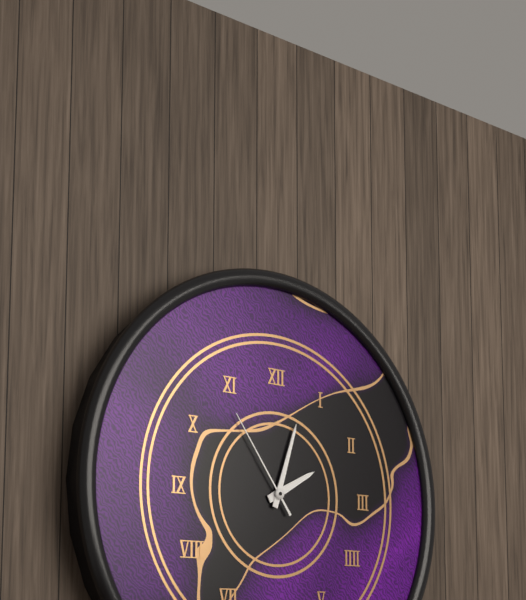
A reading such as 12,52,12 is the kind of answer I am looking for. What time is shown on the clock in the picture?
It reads 2,03,54
